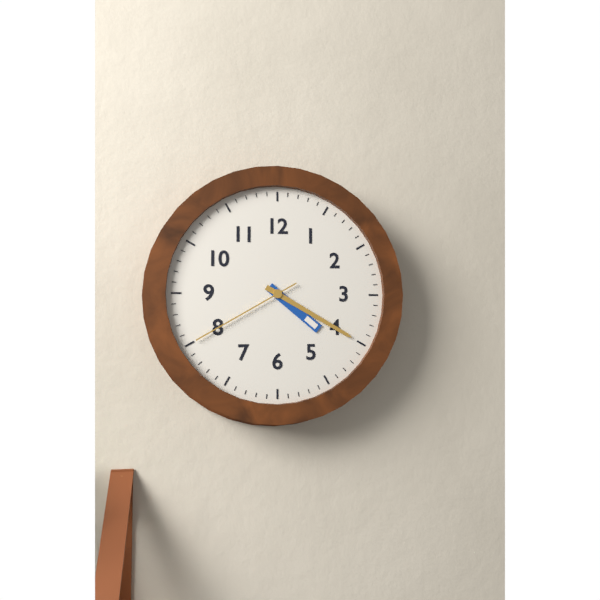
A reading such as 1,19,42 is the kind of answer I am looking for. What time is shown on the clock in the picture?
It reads 4,20,40
